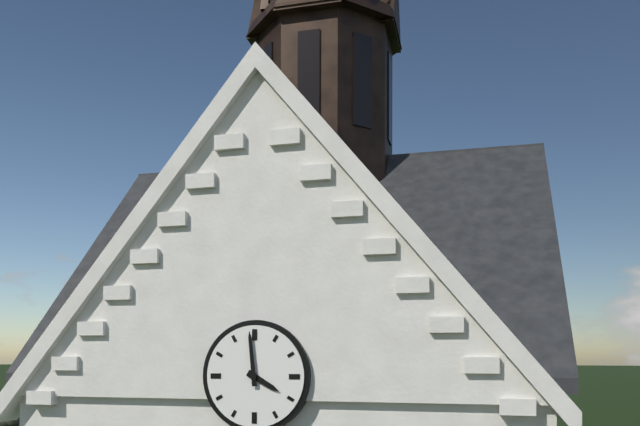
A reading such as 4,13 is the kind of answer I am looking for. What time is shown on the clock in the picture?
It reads 3,59
